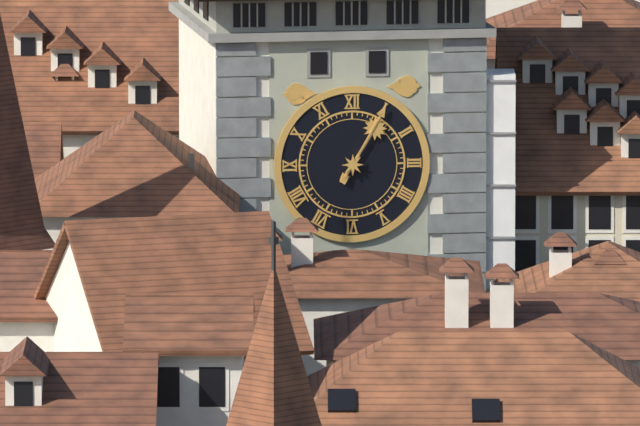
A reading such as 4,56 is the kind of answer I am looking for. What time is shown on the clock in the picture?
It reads 1,05
